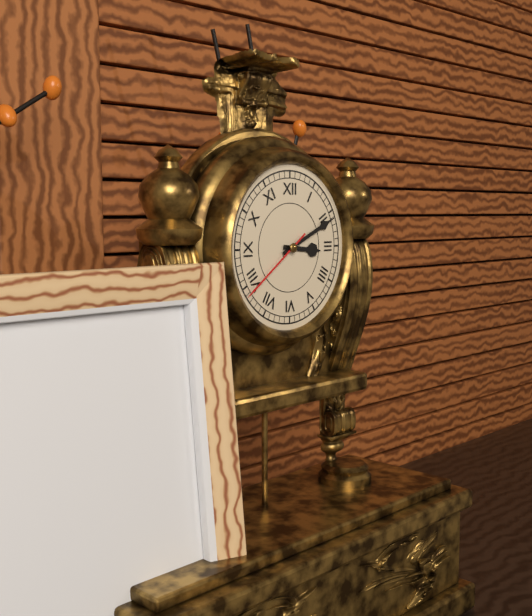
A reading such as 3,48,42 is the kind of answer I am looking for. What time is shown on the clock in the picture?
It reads 3,11,39
